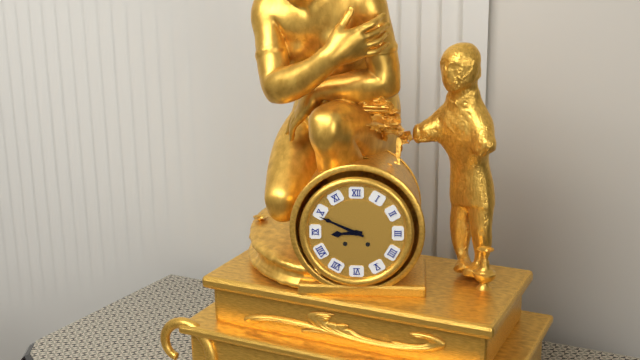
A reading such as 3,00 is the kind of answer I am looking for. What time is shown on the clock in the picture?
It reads 8,49
